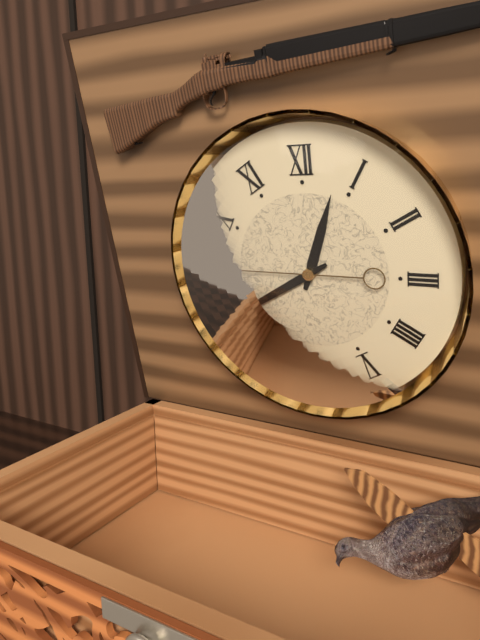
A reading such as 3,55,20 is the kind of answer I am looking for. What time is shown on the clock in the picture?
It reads 12,40,45
